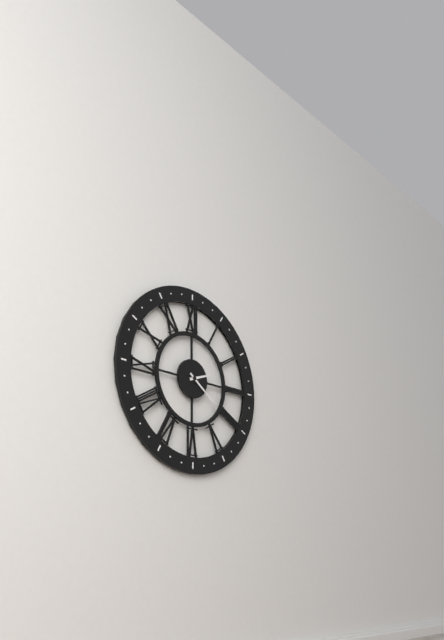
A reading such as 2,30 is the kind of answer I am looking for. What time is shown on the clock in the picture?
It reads 2,21
